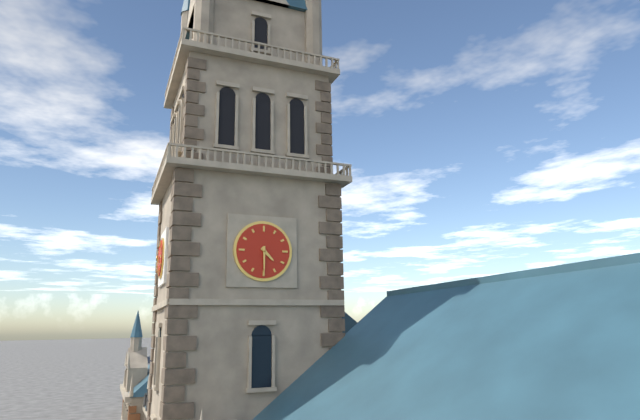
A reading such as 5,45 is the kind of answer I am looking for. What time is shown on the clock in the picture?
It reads 4,30
